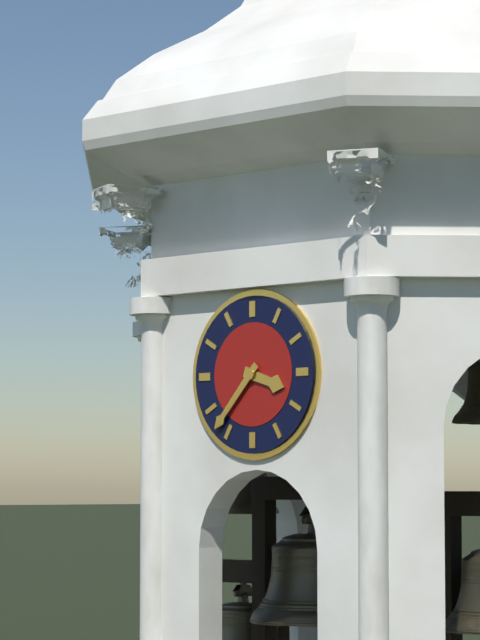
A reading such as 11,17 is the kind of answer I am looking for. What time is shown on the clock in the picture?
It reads 3,37
